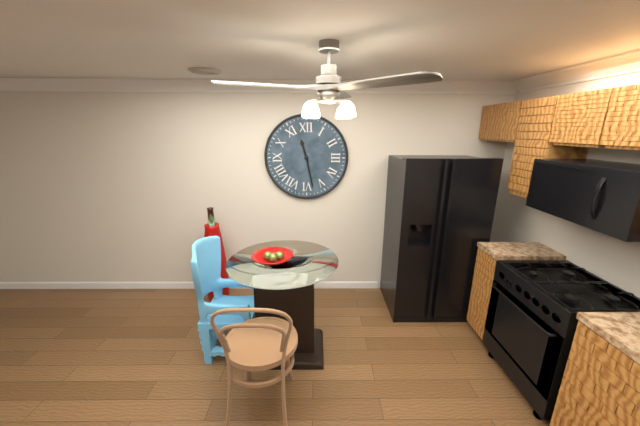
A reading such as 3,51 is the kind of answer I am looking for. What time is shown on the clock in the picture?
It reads 11,28
